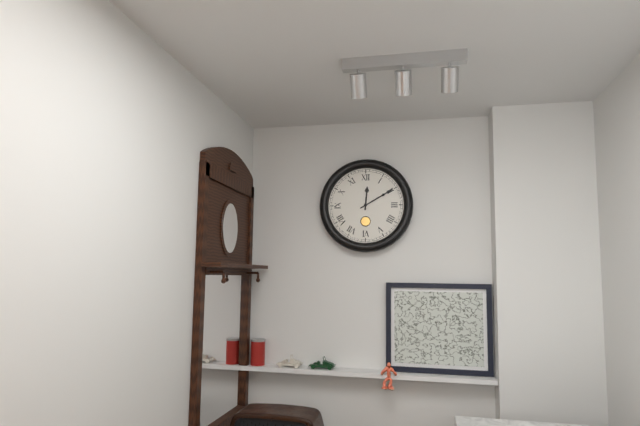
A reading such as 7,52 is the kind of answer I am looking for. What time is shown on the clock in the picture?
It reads 12,10
